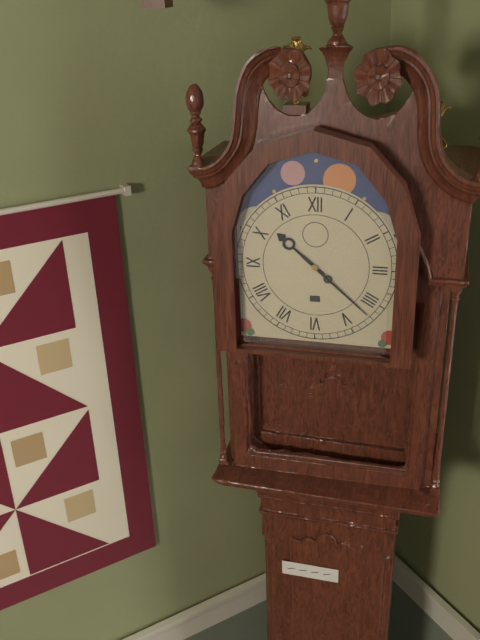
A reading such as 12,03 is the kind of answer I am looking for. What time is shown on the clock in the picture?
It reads 10,22
